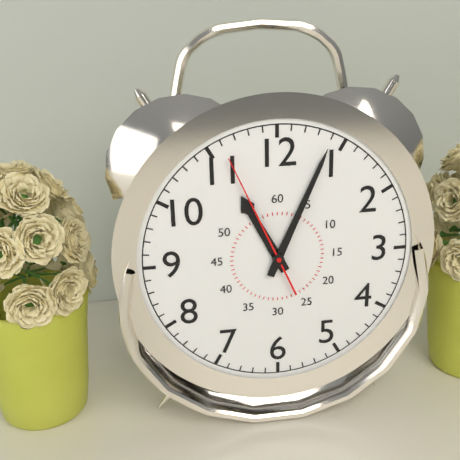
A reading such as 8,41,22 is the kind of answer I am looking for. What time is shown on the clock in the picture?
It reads 11,04,56
